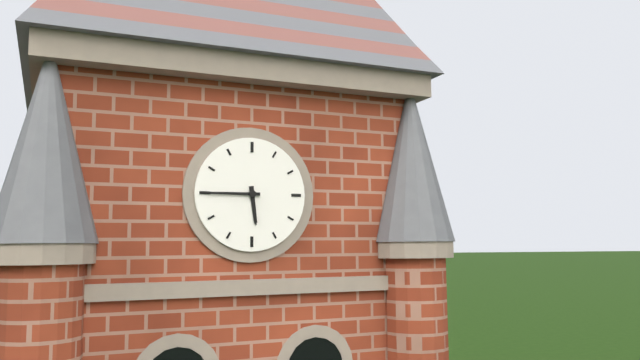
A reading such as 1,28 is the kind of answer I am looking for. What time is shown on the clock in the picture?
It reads 5,45
